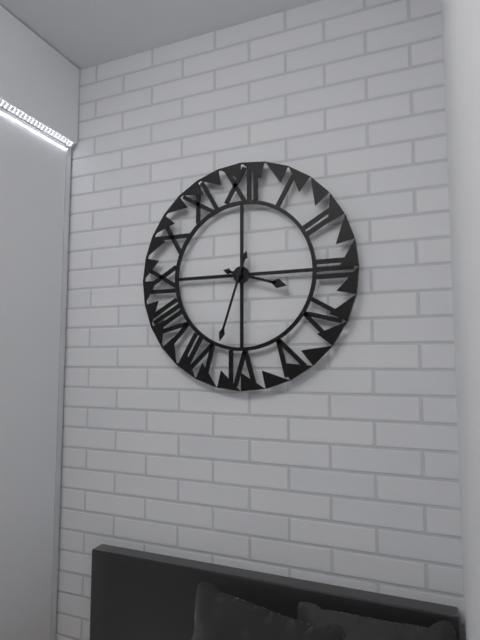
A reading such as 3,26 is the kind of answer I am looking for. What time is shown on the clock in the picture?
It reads 3,33
